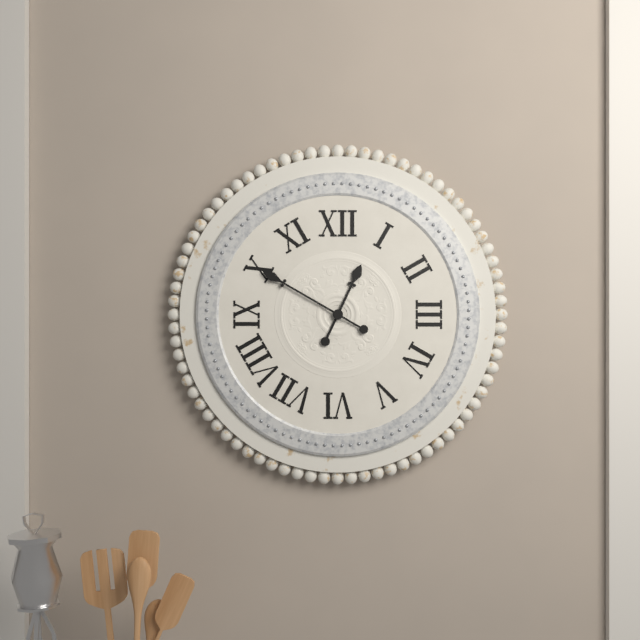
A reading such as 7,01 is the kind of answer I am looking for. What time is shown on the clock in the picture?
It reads 12,50
